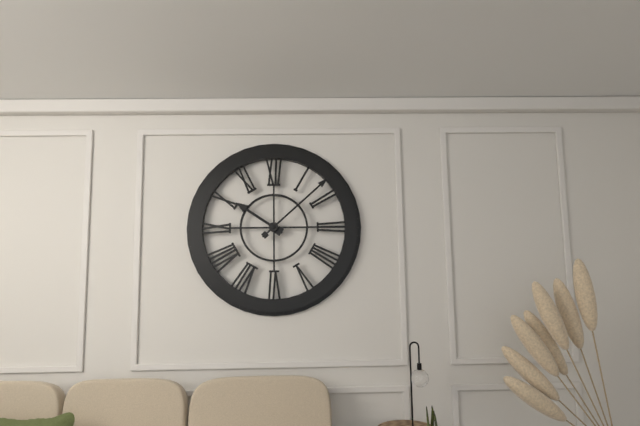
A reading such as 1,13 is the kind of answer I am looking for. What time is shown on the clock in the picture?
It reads 10,08
